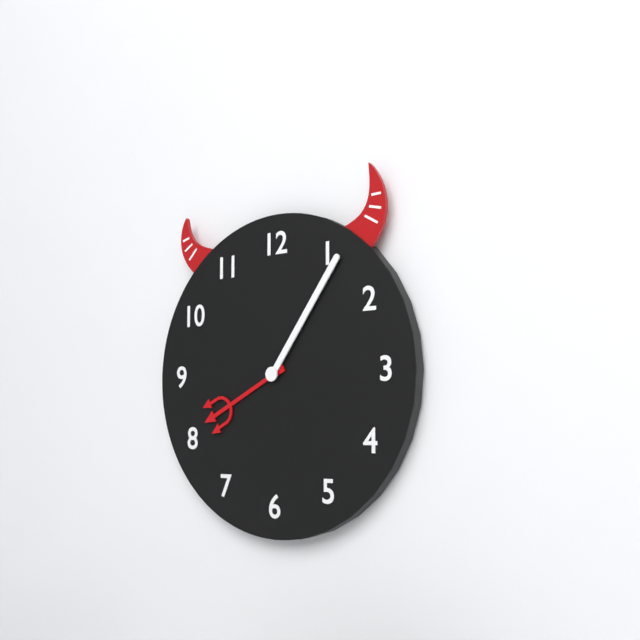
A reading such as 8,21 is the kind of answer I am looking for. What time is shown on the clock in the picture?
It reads 8,06
